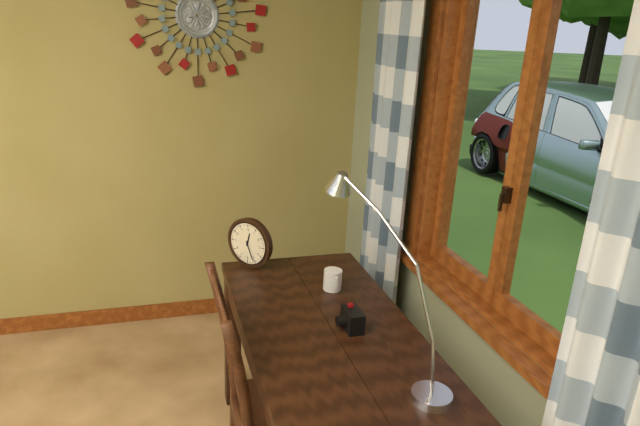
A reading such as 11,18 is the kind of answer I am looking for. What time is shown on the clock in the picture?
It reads 12,26
